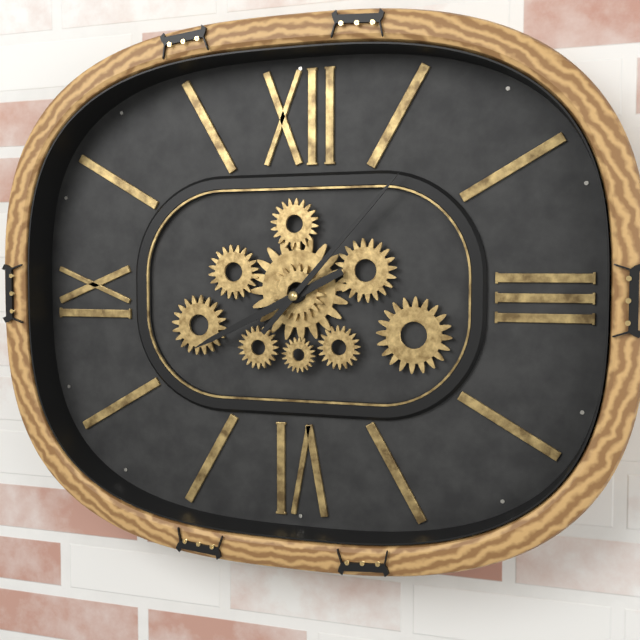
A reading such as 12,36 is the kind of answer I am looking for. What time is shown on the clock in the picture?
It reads 8,07
